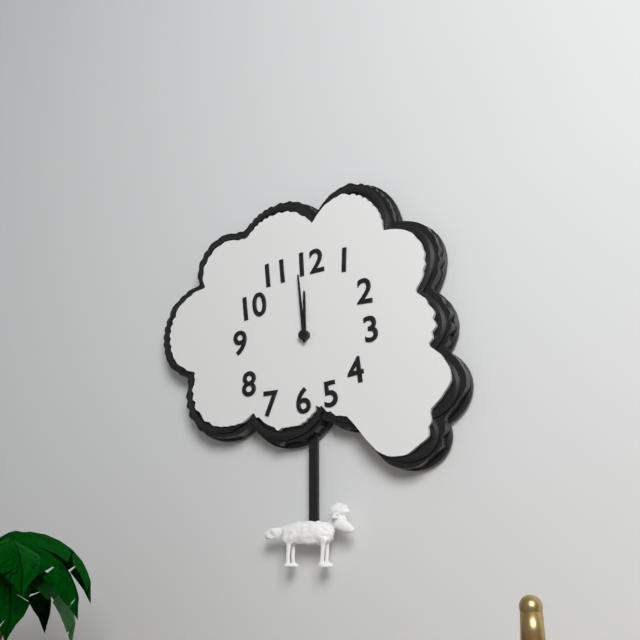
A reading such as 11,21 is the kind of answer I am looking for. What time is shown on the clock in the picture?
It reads 11,59
